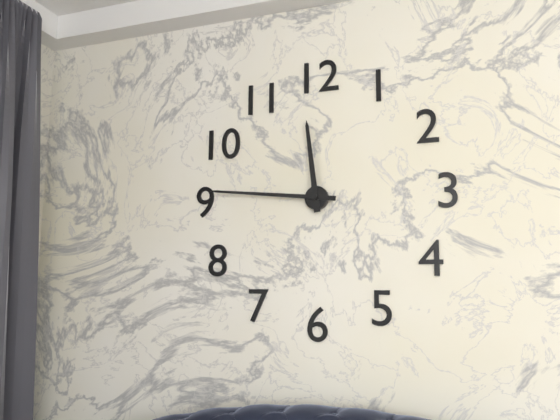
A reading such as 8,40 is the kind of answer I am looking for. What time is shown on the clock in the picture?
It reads 11,46
